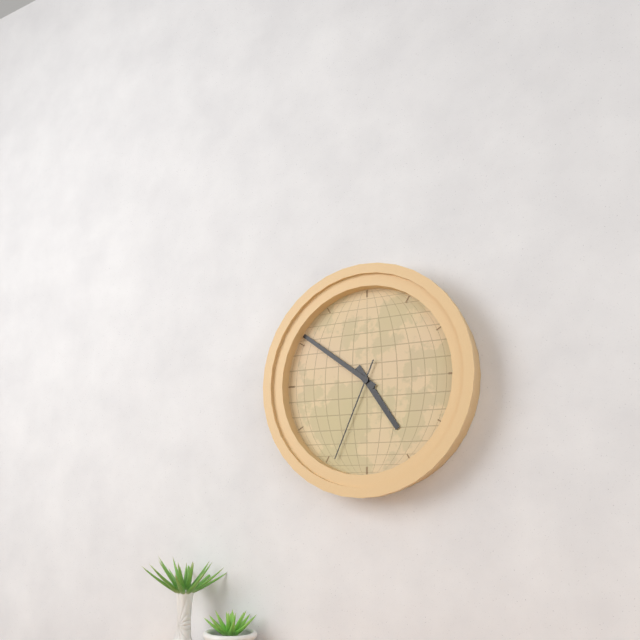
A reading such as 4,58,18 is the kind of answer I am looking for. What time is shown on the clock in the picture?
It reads 4,51,34
